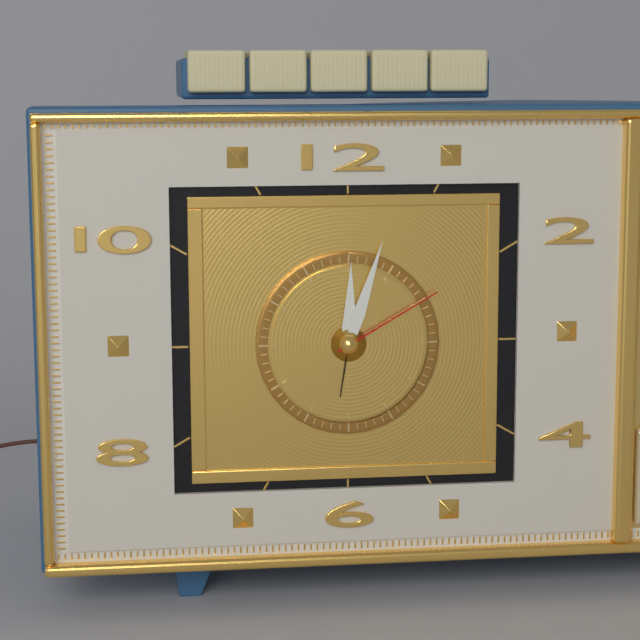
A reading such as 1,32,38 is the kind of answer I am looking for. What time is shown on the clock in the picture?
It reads 12,03,10
